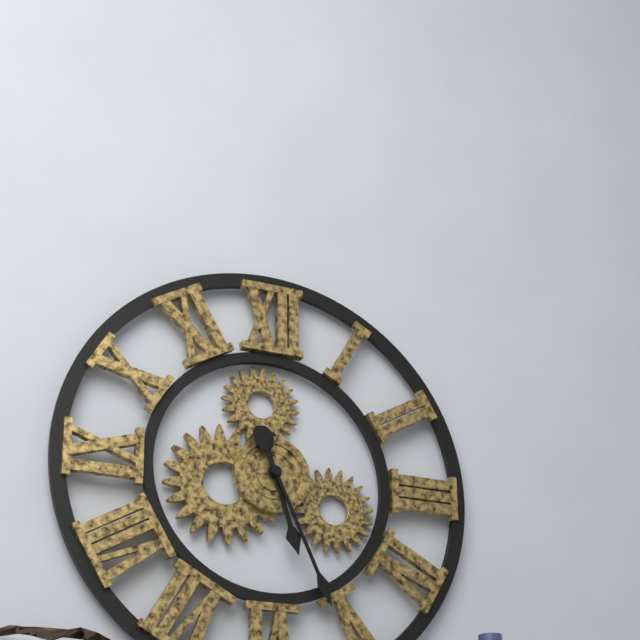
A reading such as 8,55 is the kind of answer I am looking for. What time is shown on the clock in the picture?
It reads 5,26
